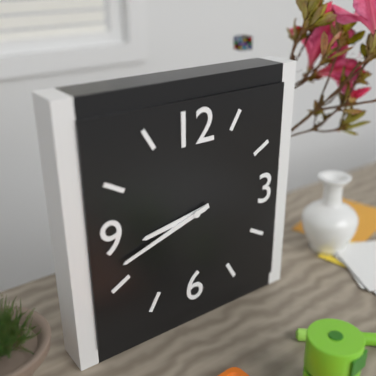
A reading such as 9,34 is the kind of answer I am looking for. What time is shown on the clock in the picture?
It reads 8,42
